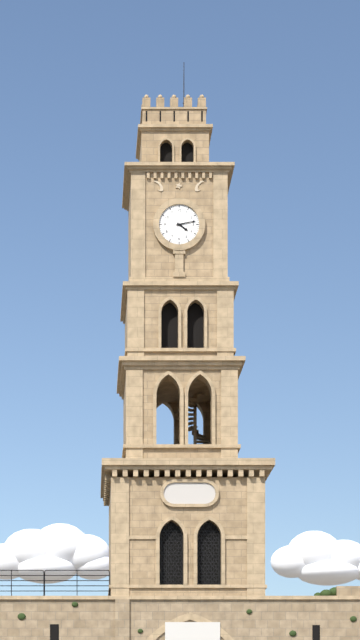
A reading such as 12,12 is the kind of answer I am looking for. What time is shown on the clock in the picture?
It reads 4,13
